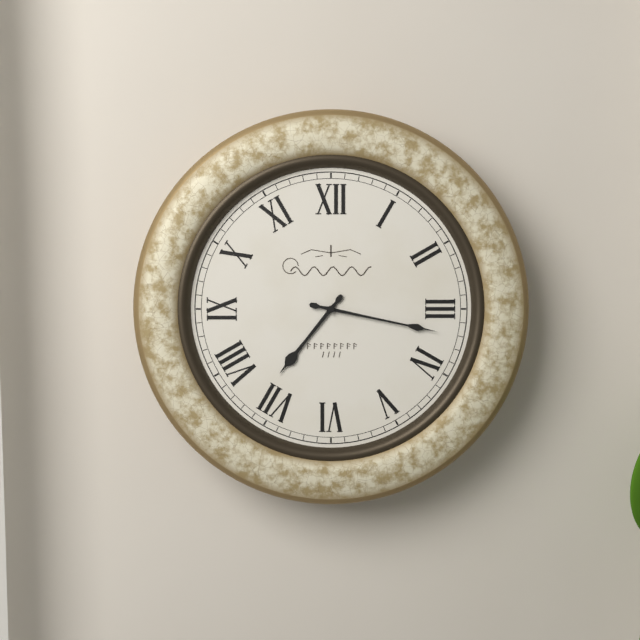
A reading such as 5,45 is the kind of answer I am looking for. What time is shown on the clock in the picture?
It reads 7,17
